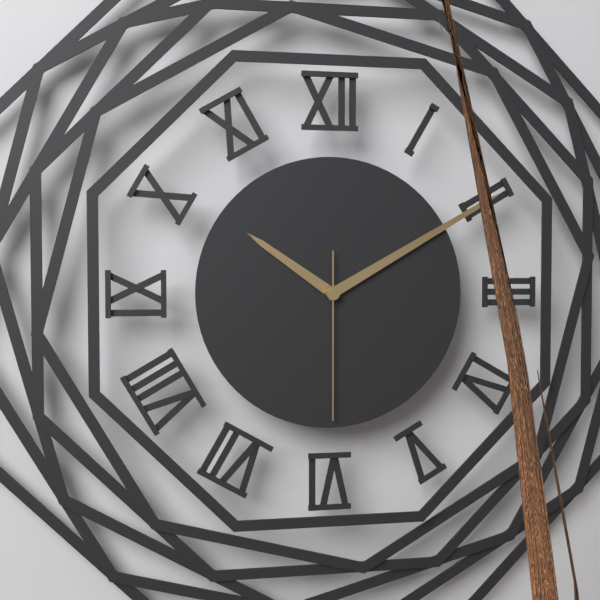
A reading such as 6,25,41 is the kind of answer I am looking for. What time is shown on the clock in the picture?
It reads 10,10,30
